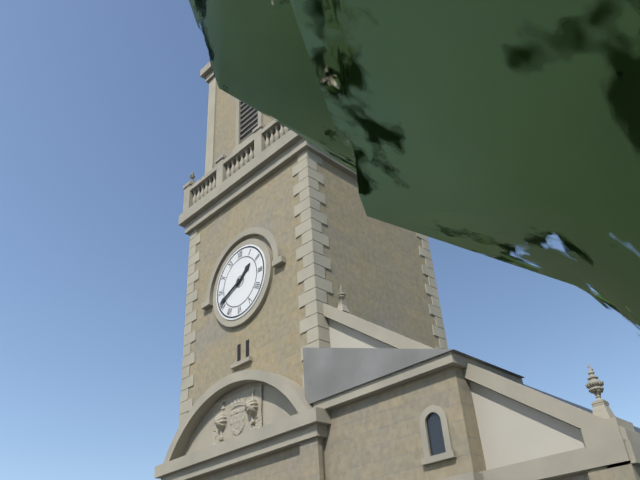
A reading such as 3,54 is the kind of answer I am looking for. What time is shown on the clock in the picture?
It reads 1,41
